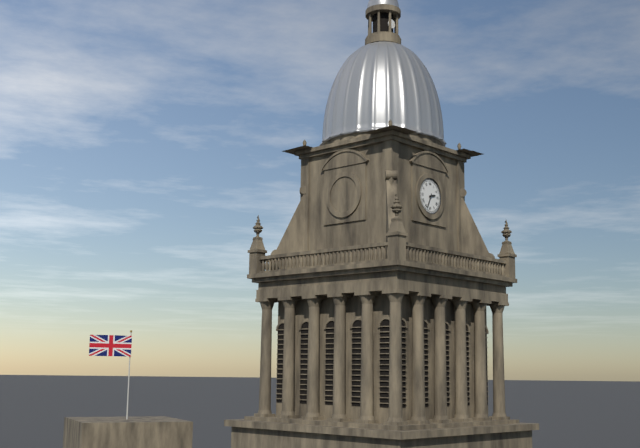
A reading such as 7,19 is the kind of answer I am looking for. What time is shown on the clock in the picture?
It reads 2,34
